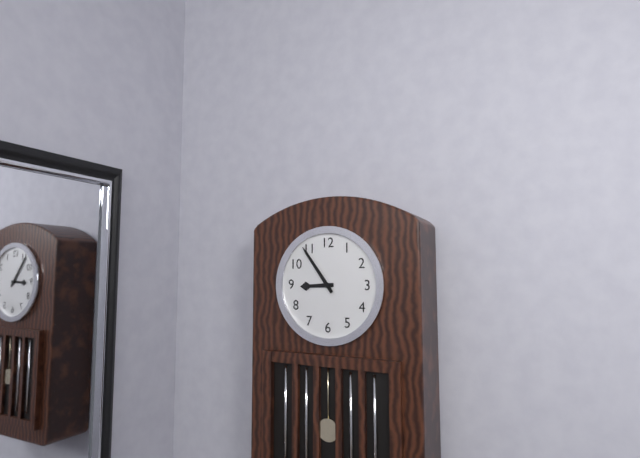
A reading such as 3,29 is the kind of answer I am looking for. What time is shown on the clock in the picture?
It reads 8,54
